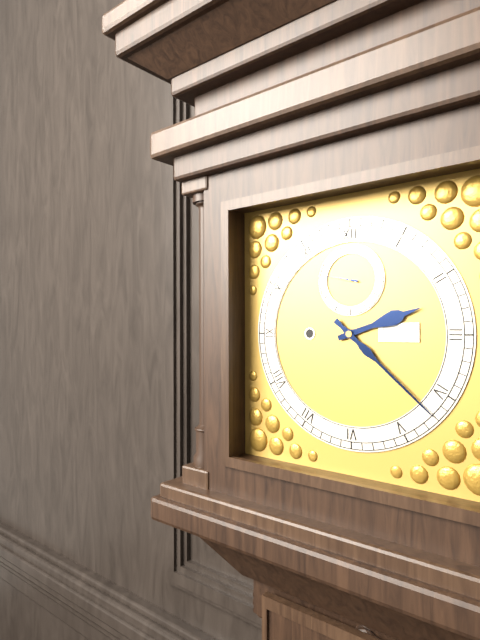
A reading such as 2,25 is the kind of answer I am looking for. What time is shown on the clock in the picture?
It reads 2,22
